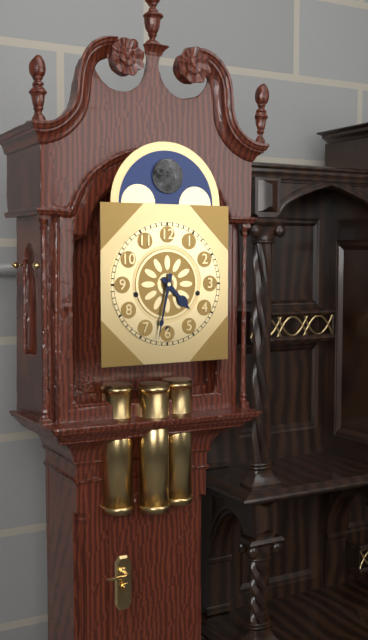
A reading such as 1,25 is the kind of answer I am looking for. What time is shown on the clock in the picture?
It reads 4,32
